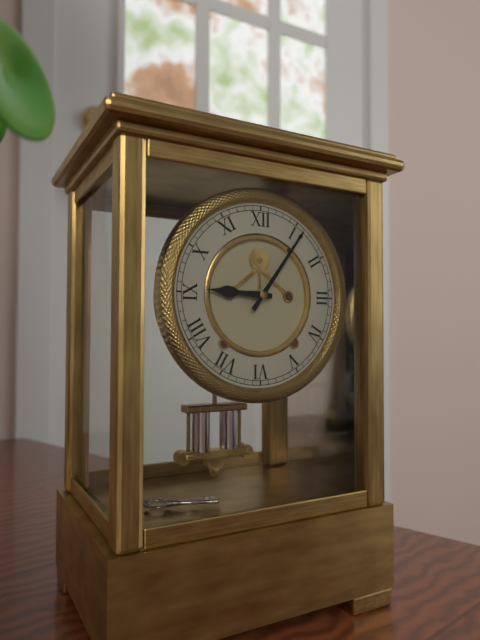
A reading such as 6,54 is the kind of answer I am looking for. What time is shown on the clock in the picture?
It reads 9,06
